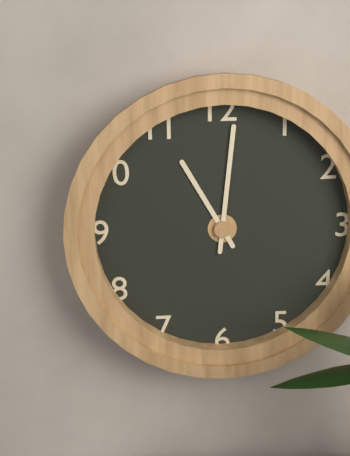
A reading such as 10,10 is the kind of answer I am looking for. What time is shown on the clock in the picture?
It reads 11,01
